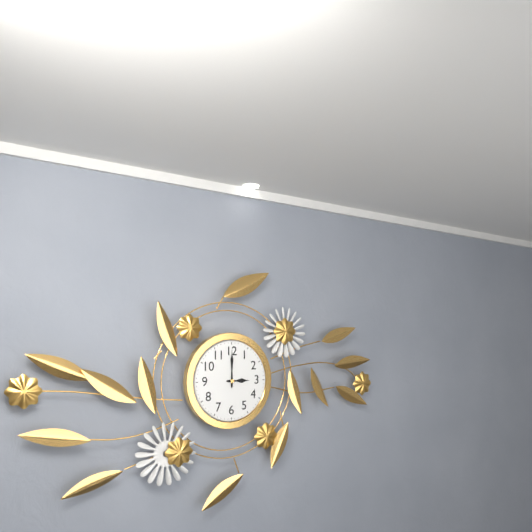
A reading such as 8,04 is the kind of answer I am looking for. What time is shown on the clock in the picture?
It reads 3,00
